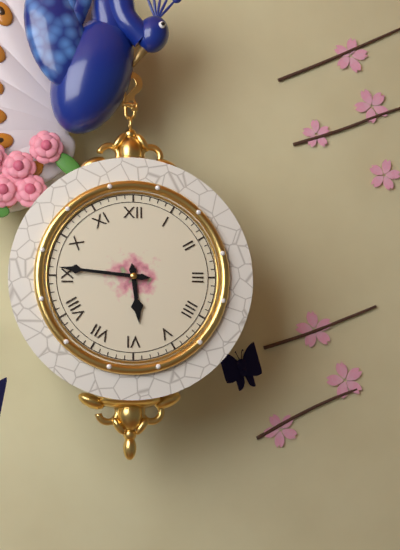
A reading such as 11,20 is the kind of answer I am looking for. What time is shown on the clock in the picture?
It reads 5,46
